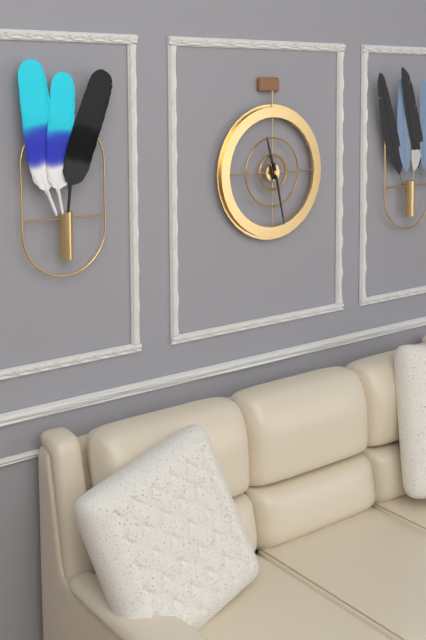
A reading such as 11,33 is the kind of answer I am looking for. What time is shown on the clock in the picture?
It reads 11,28
